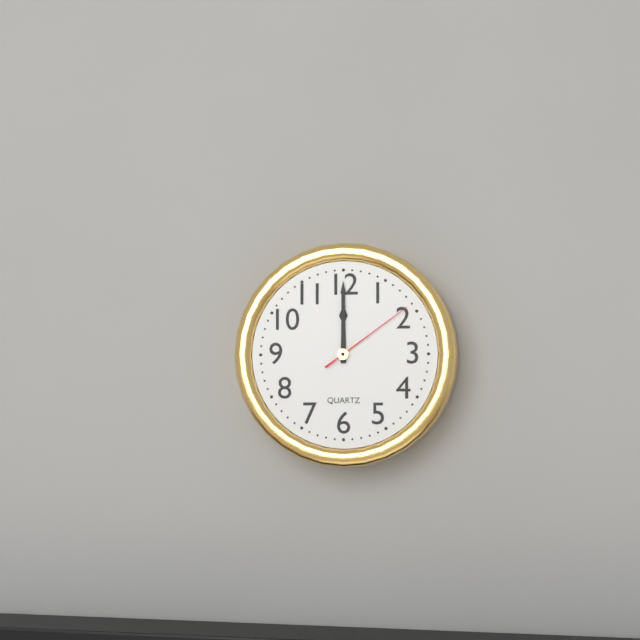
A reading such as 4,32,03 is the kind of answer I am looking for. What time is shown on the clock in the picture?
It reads 12,00,09
